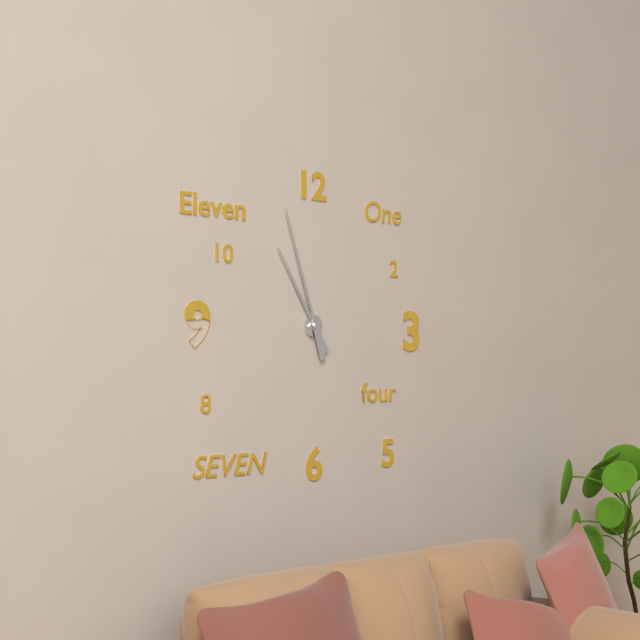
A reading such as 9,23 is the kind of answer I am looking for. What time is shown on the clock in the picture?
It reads 10,57
